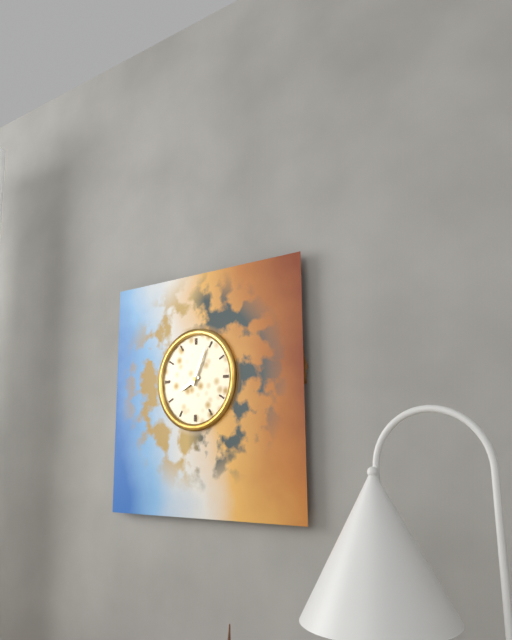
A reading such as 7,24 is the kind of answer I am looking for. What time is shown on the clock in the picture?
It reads 8,04
